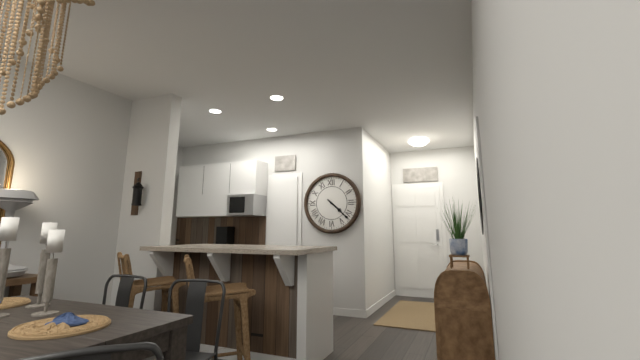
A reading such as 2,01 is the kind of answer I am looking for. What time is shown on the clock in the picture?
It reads 4,22
